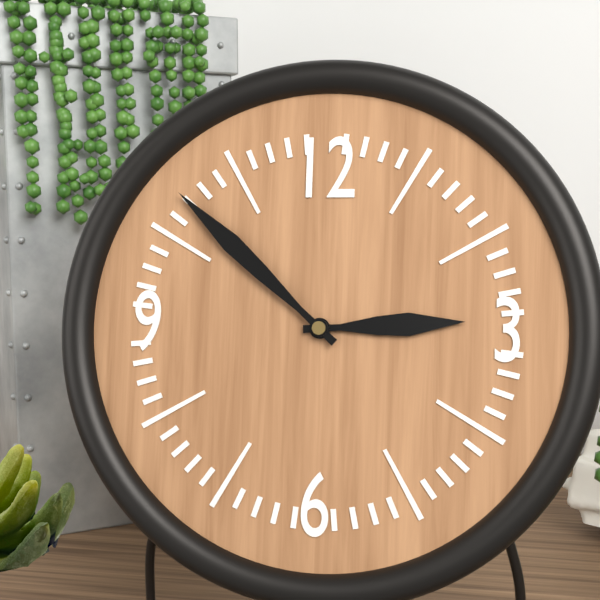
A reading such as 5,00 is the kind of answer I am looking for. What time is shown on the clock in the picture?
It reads 2,52
